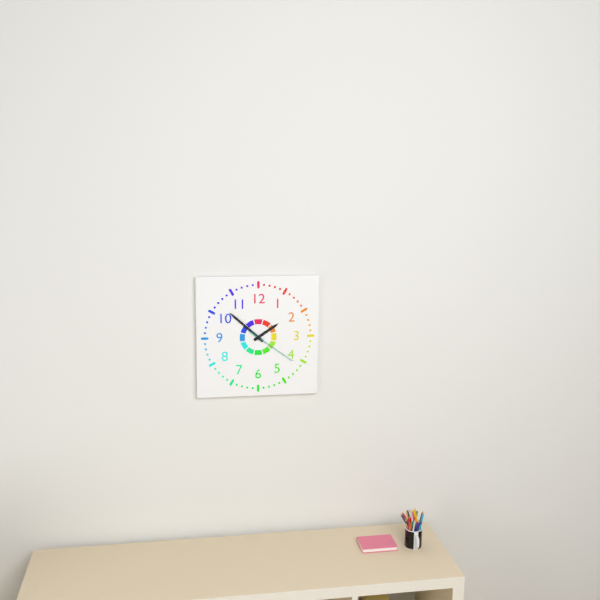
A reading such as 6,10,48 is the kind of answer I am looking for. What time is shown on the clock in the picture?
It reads 1,52,21
